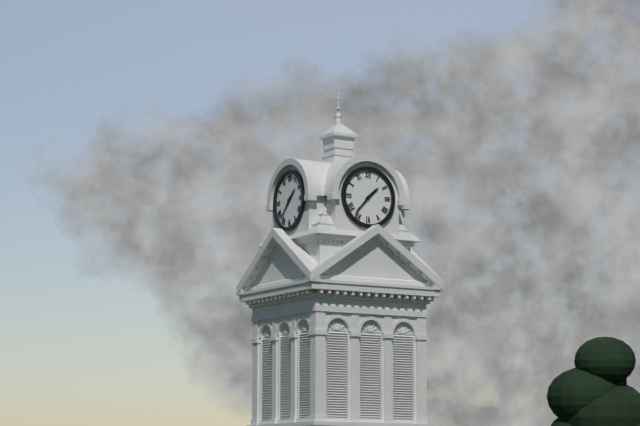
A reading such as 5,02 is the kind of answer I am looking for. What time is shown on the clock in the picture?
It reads 1,37
